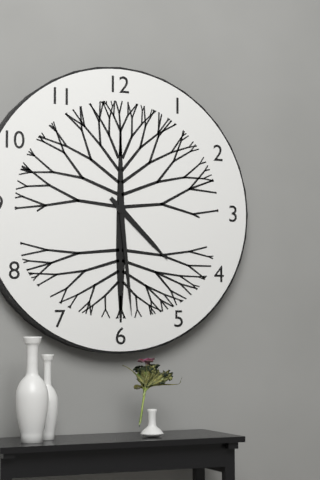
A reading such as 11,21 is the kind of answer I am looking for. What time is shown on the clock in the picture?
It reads 4,29
